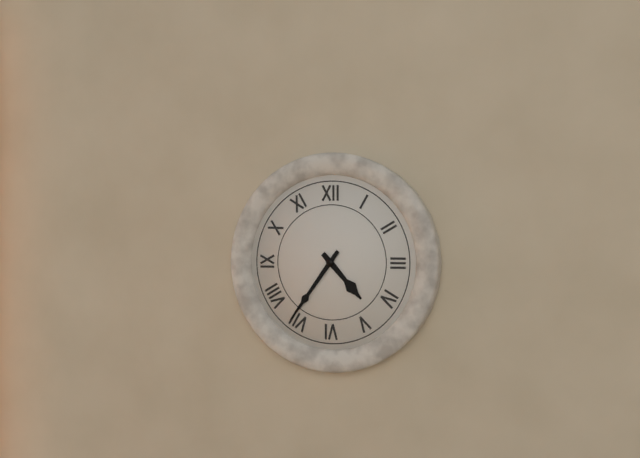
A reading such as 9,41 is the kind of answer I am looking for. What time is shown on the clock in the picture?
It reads 4,36
